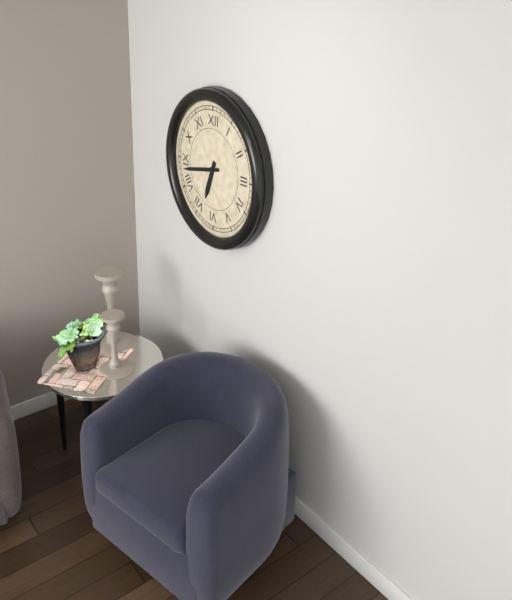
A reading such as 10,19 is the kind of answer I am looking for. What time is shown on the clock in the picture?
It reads 6,43
